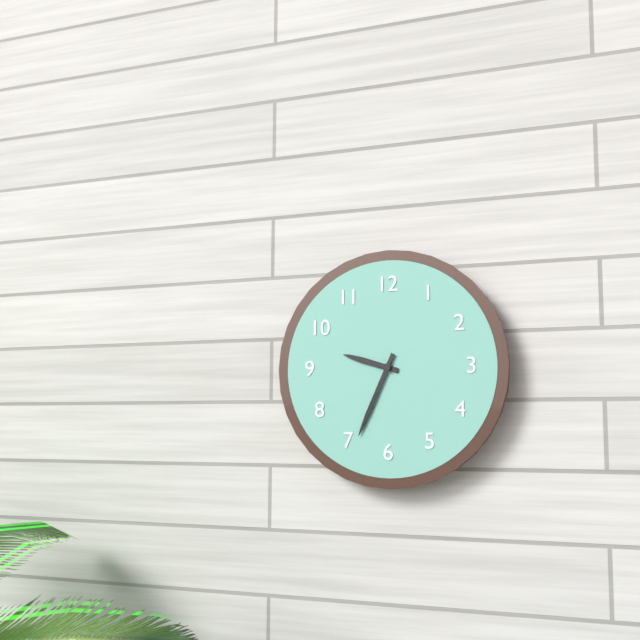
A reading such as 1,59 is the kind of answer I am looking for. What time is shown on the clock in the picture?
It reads 9,34
